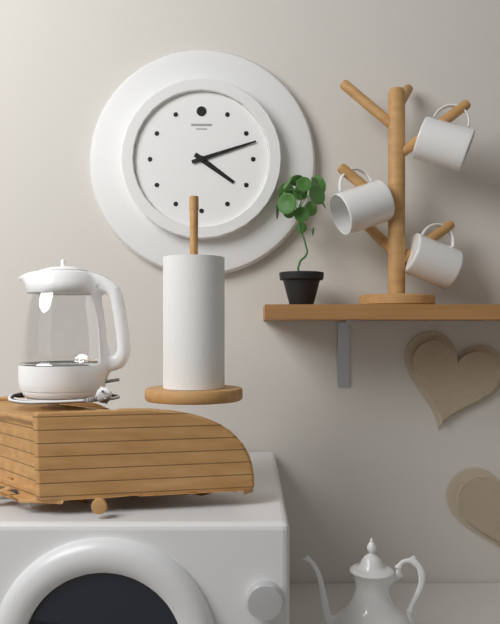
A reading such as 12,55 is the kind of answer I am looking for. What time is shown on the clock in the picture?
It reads 4,12
